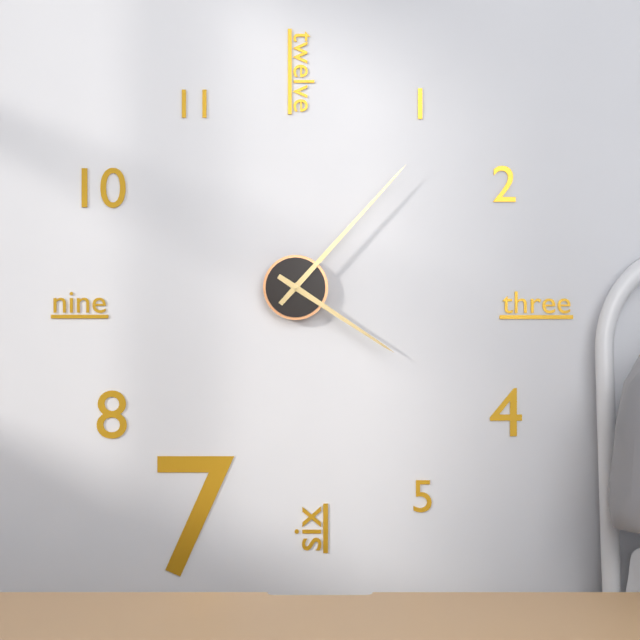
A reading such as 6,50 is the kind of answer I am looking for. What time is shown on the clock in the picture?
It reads 4,07
